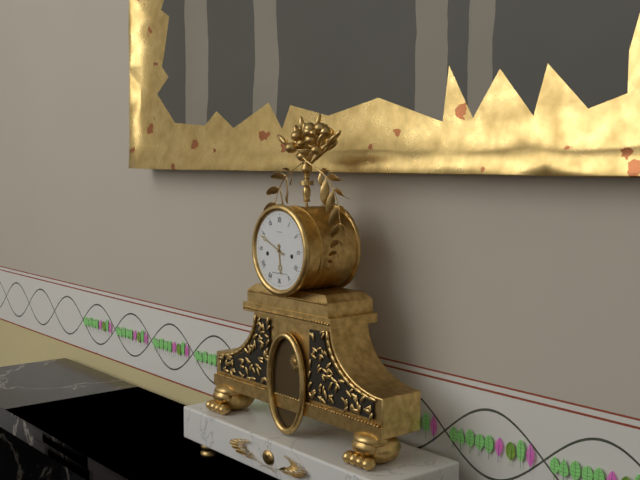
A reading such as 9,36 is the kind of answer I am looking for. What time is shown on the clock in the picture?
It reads 5,49
